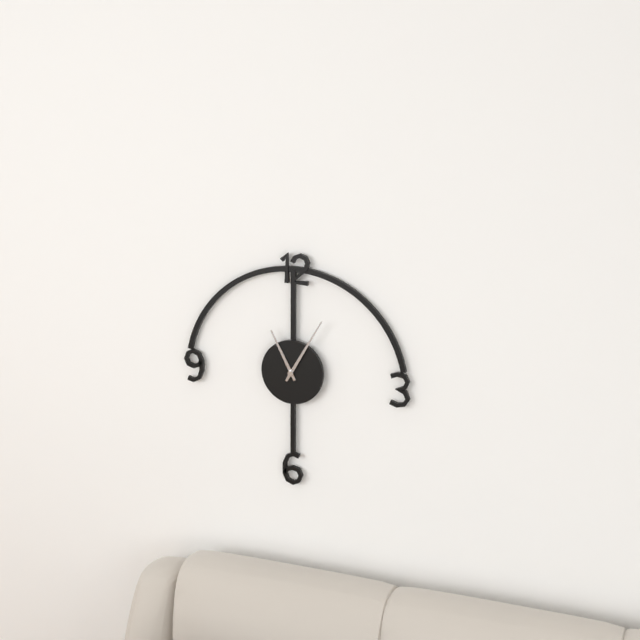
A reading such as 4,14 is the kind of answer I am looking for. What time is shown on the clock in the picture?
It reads 11,05
